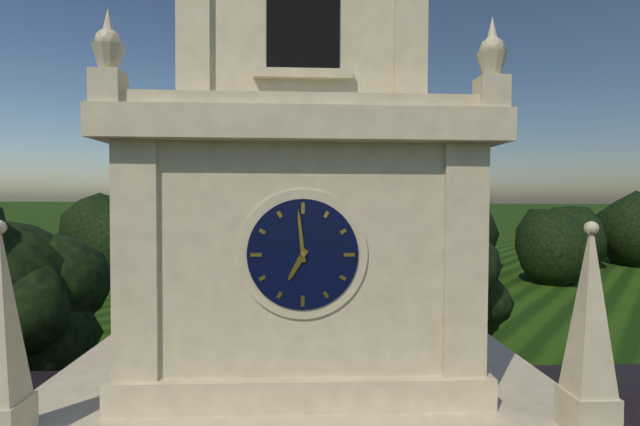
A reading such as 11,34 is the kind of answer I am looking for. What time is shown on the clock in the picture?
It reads 6,59
